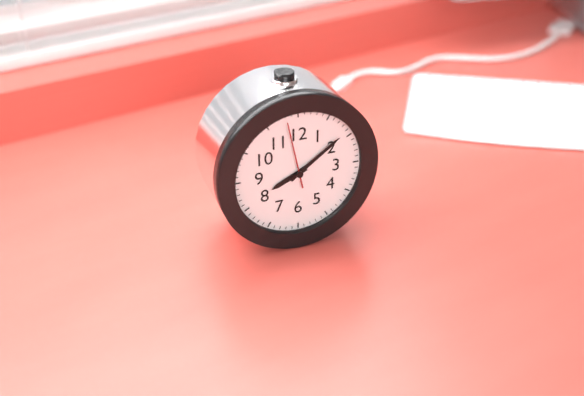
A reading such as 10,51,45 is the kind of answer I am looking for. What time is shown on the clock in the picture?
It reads 8,09,58
